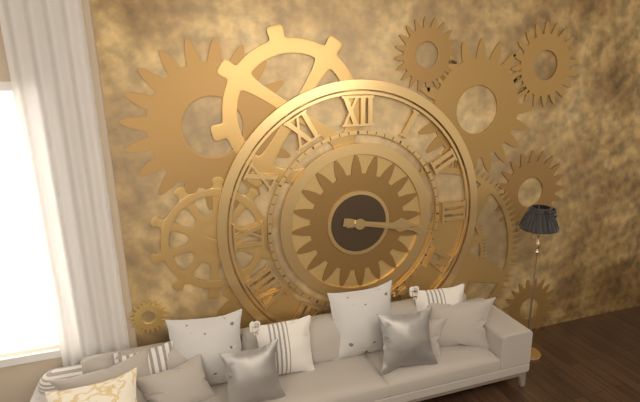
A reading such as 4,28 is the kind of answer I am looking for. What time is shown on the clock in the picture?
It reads 3,17
